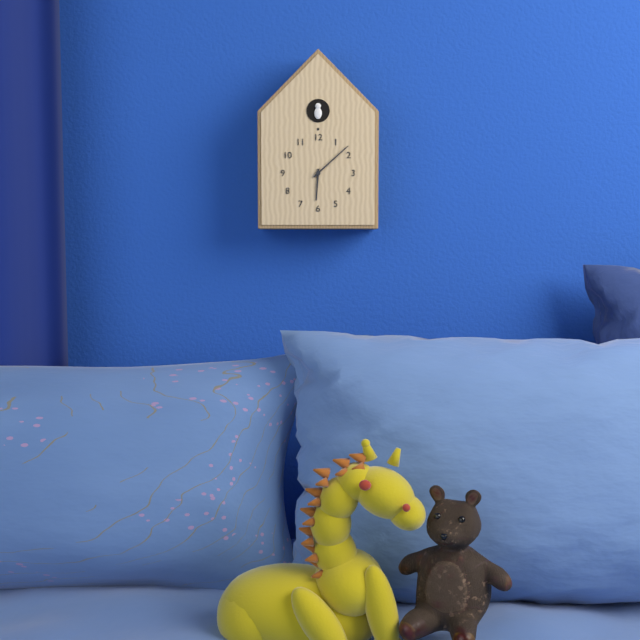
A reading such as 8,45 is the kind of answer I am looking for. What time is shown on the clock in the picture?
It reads 6,08
